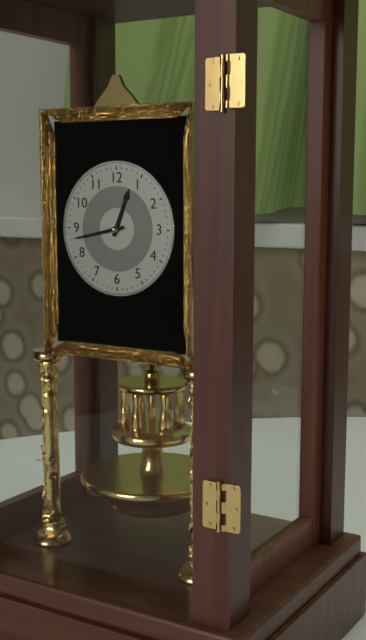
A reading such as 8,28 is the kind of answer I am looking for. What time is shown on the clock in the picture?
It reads 12,43
